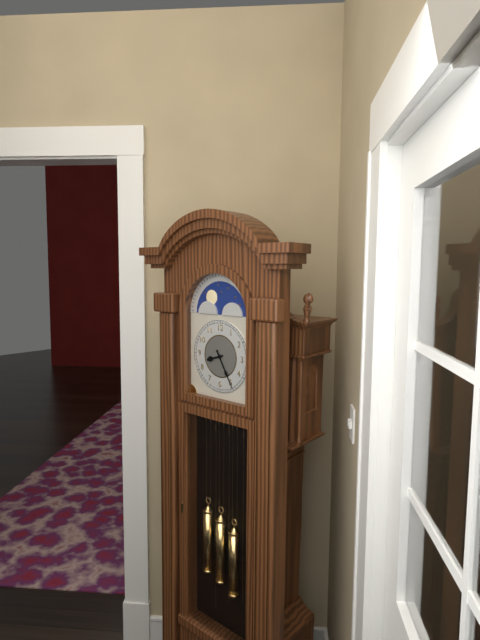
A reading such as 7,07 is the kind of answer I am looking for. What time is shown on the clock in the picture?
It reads 8,25
